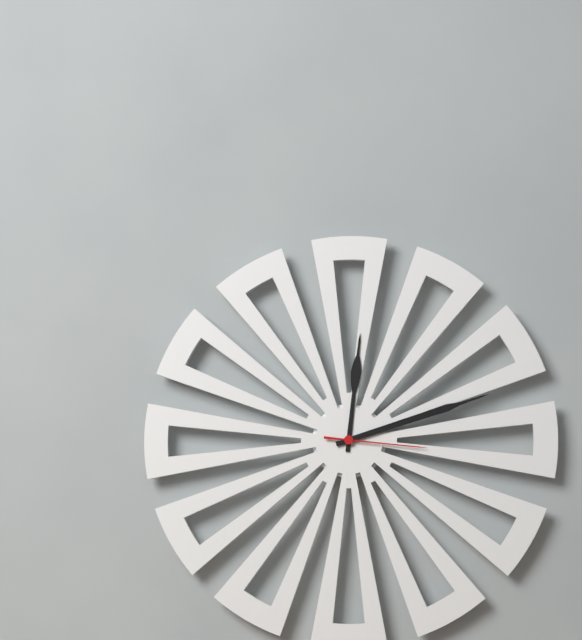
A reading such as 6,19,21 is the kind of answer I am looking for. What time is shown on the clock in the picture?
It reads 12,12,16
